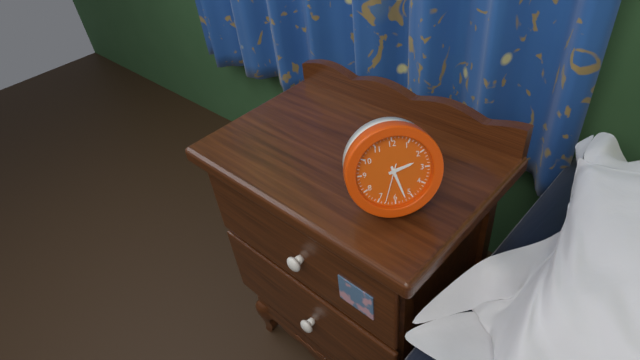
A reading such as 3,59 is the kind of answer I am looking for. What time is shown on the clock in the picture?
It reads 2,27
